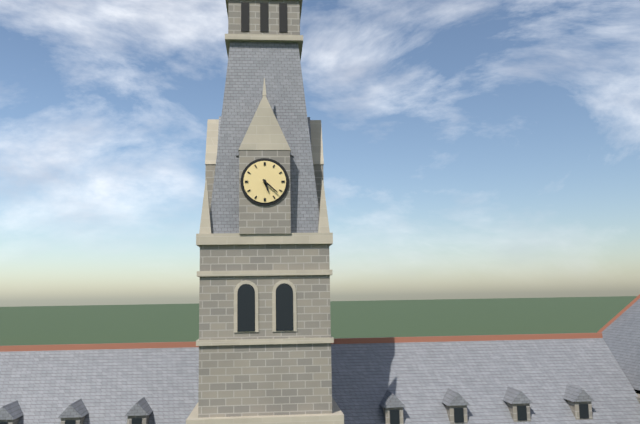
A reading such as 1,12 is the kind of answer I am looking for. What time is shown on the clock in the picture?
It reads 5,22
